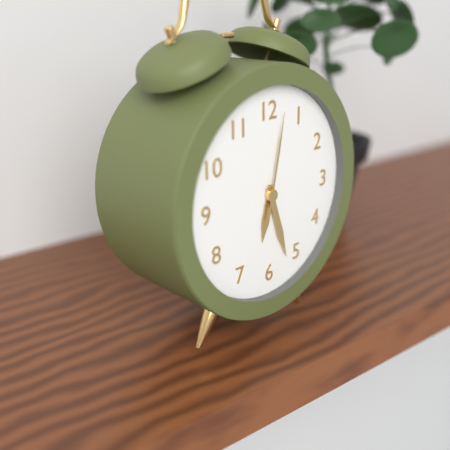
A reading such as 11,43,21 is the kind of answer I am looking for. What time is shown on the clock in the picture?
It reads 6,27,02
